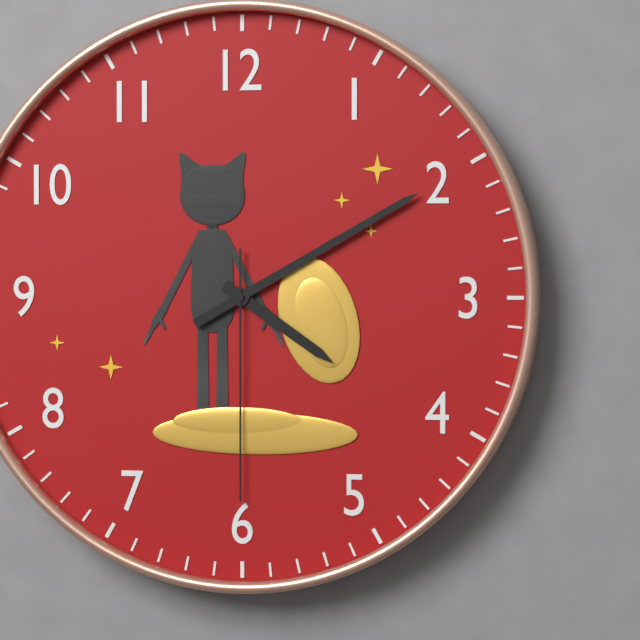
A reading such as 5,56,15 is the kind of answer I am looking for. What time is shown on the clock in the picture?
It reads 4,10,30
